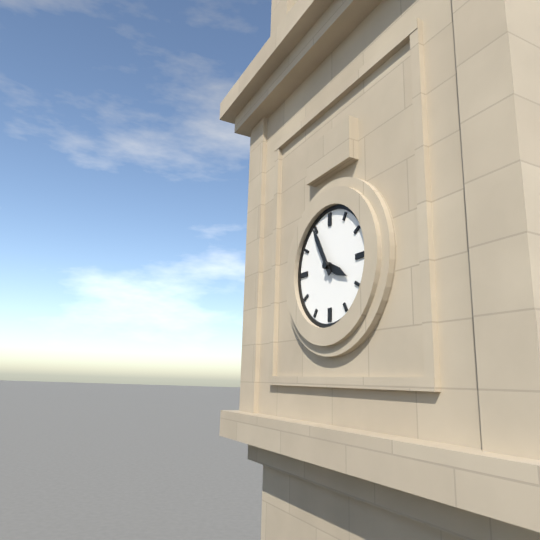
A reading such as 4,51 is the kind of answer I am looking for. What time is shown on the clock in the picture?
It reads 3,55
